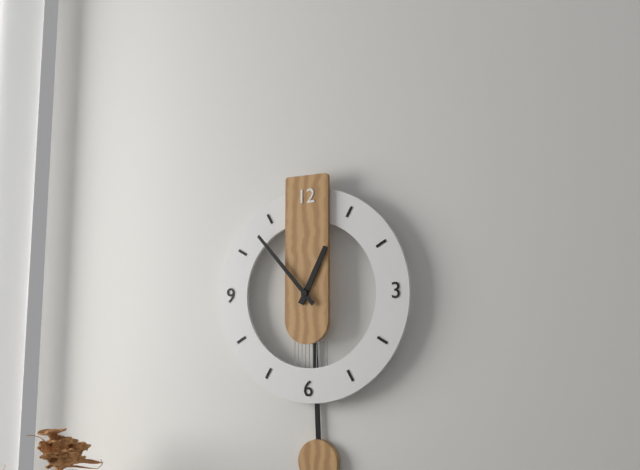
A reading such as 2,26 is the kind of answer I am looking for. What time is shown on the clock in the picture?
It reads 12,53
